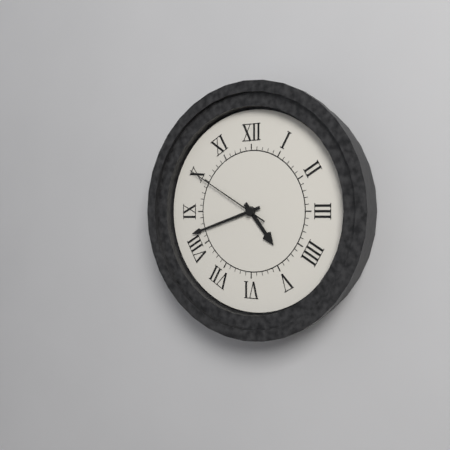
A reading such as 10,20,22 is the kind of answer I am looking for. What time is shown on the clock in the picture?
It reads 4,42,50
